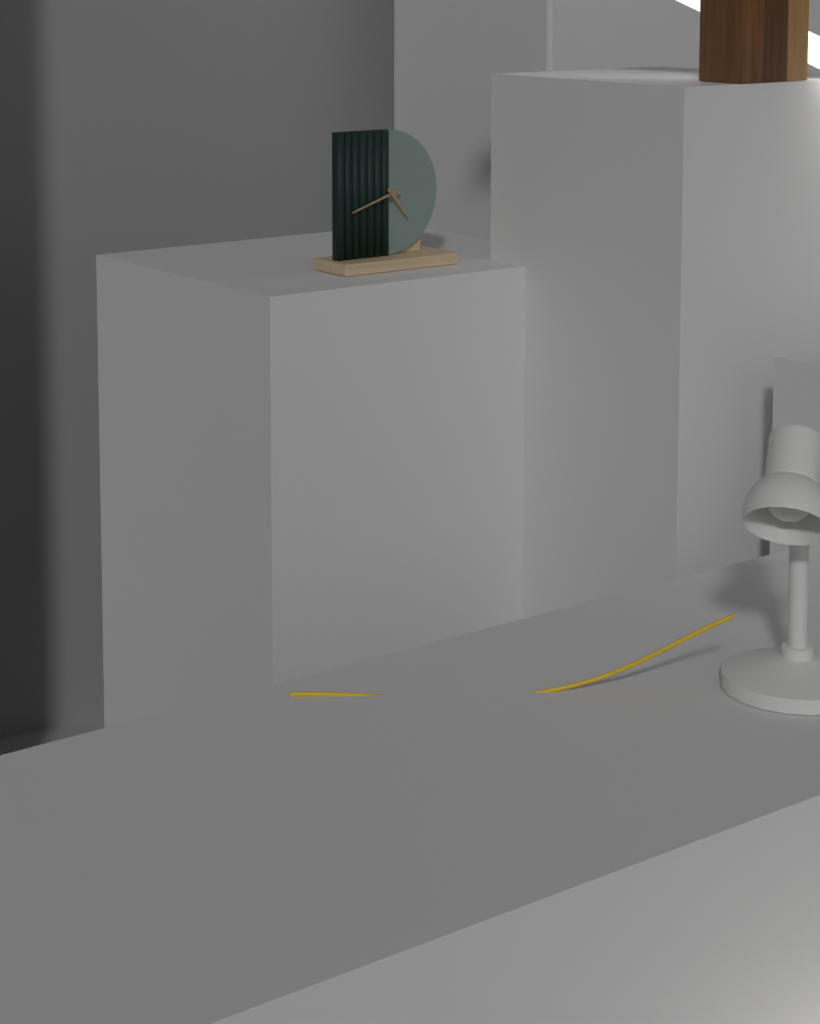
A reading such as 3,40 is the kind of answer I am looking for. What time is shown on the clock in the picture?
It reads 4,42
